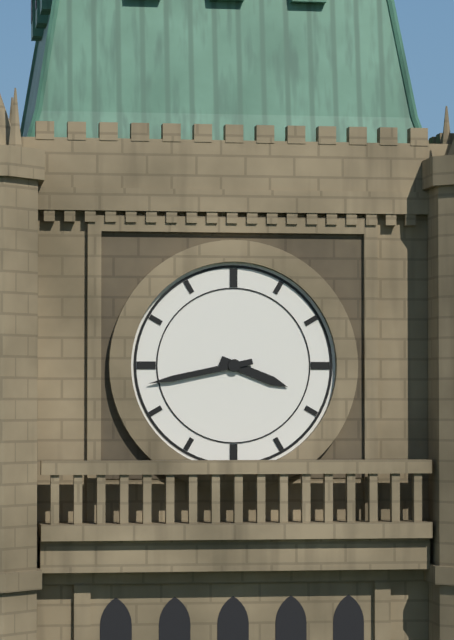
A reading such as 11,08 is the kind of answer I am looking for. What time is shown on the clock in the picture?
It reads 3,43
